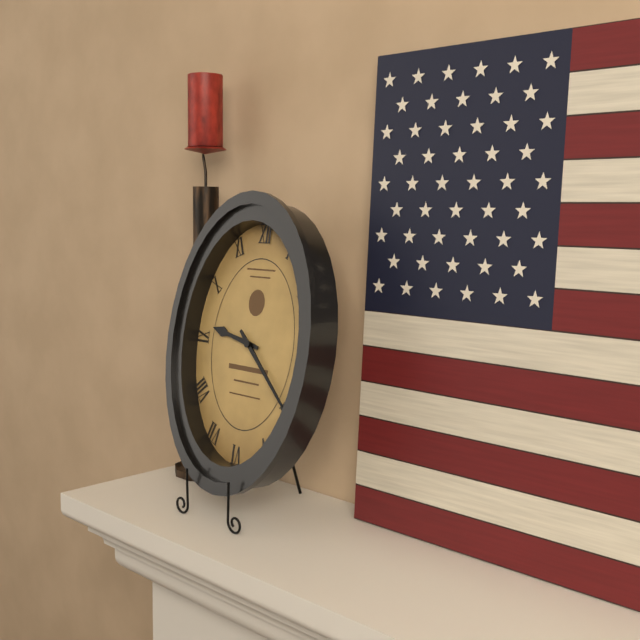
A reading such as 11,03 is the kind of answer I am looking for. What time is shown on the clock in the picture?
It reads 9,22
